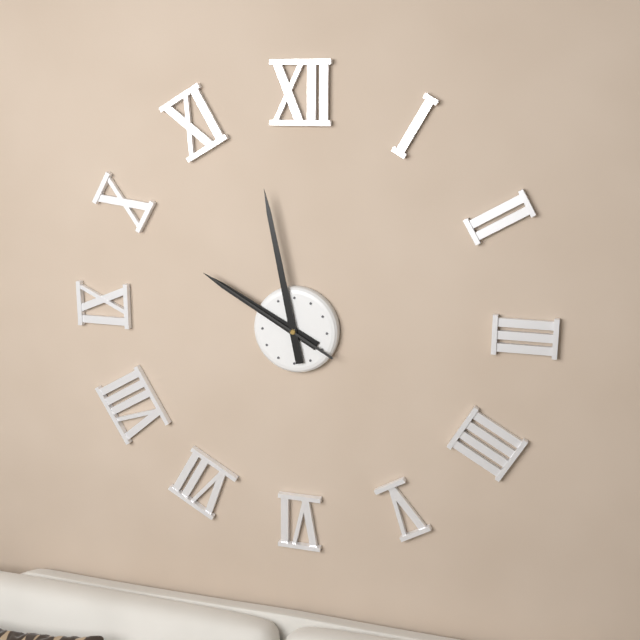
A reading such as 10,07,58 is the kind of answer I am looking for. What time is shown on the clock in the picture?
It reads 9,58,50
